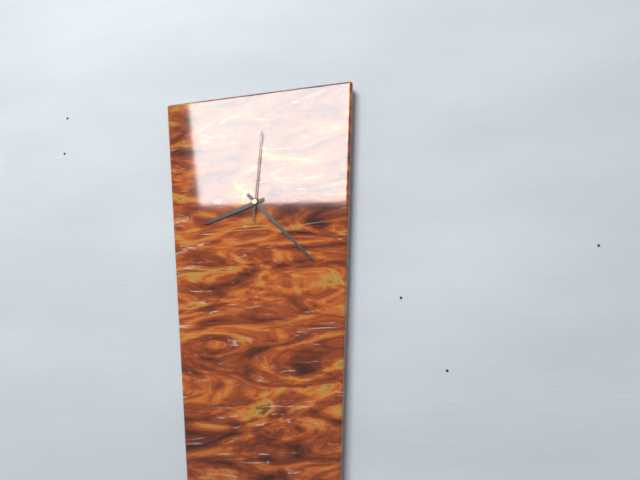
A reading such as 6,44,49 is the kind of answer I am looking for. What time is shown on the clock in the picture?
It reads 8,23,01
